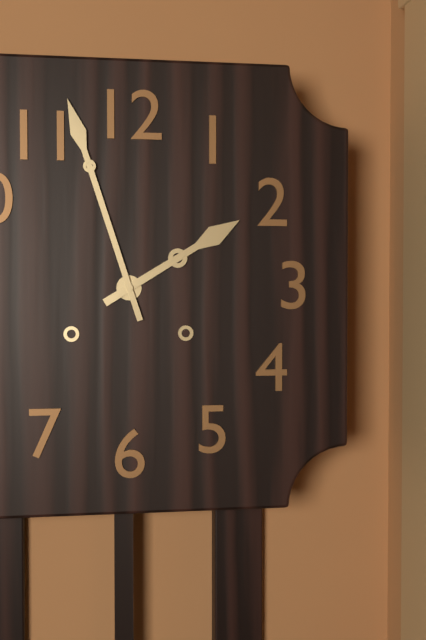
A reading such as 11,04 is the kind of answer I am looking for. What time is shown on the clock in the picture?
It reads 1,57
